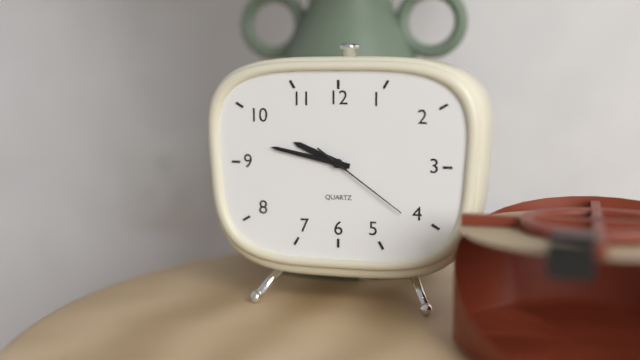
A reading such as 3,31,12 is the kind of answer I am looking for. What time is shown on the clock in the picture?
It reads 9,47,21
